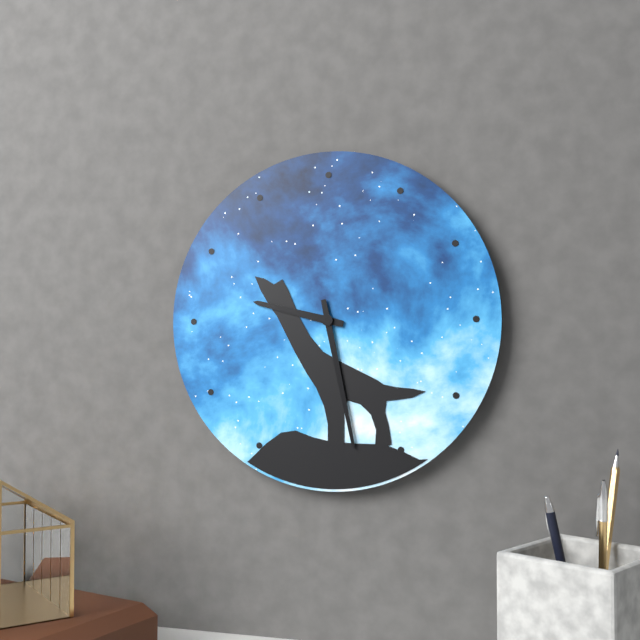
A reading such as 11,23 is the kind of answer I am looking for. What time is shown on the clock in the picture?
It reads 9,28
